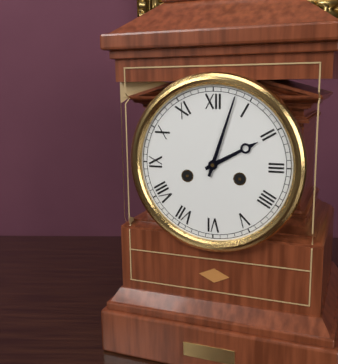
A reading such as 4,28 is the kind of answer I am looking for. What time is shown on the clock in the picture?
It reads 2,03
